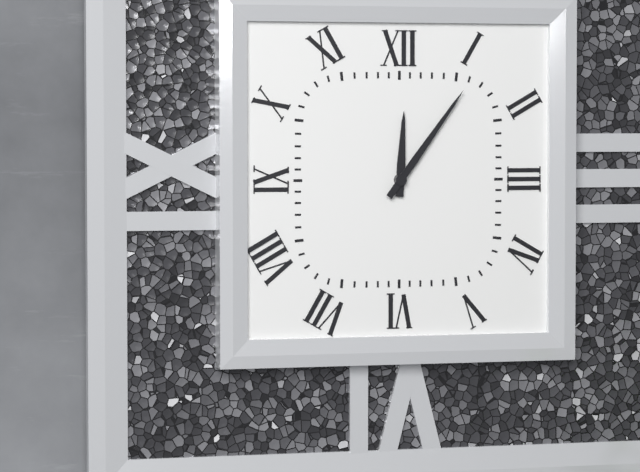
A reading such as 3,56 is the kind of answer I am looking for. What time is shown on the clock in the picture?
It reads 12,06
